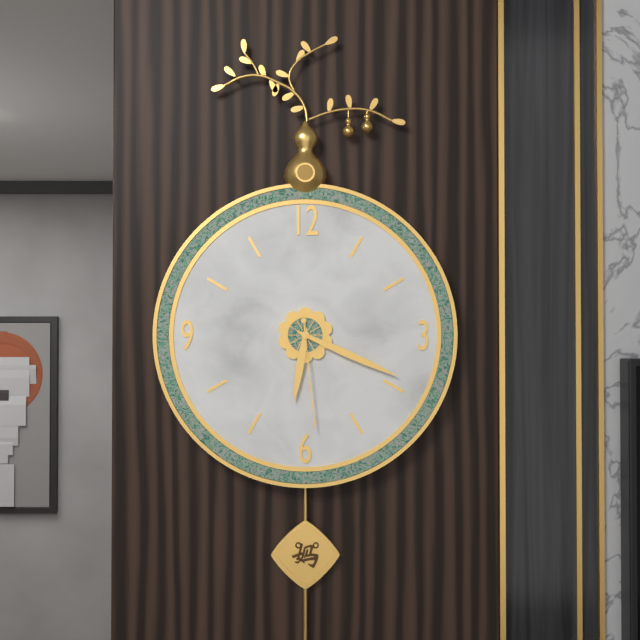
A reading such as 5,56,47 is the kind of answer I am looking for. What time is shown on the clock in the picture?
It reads 6,19,29
